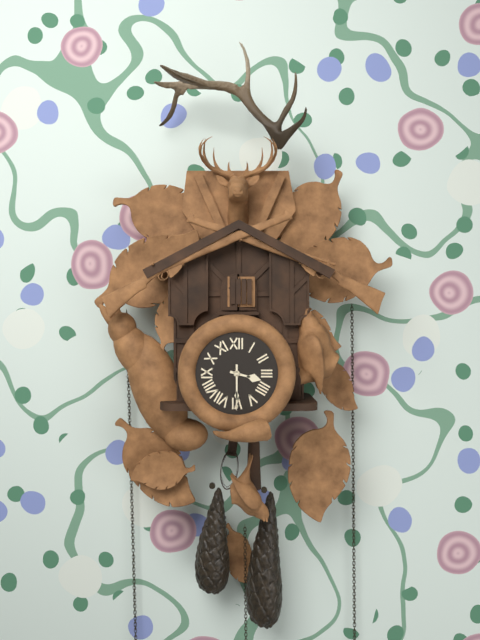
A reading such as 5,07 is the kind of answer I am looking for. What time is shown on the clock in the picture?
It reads 3,30
